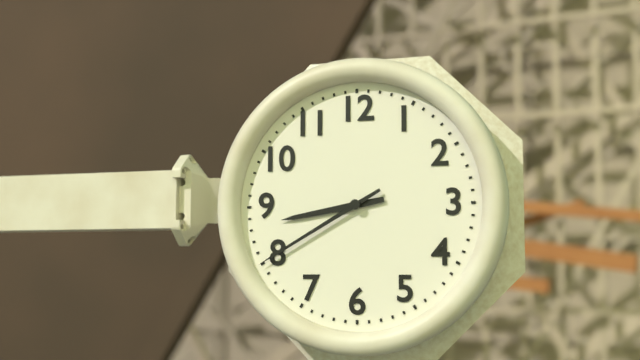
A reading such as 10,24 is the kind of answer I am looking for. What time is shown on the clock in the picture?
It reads 8,40
